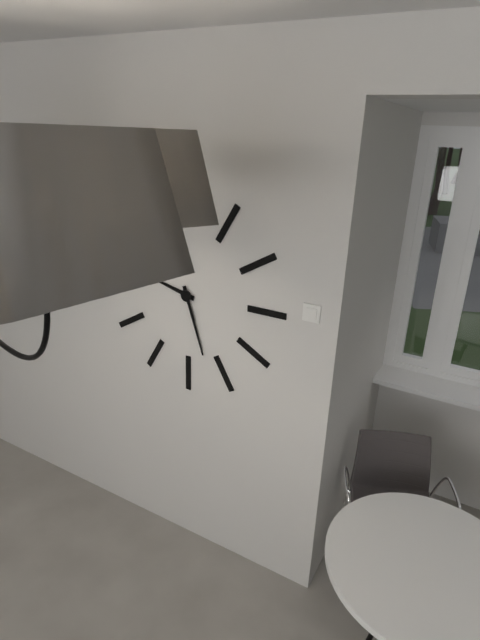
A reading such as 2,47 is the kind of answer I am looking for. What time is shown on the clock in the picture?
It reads 9,27
